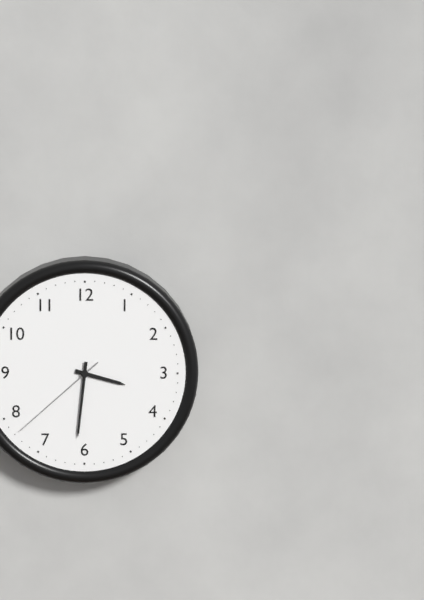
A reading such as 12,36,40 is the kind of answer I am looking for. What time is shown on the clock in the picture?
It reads 3,31,38
